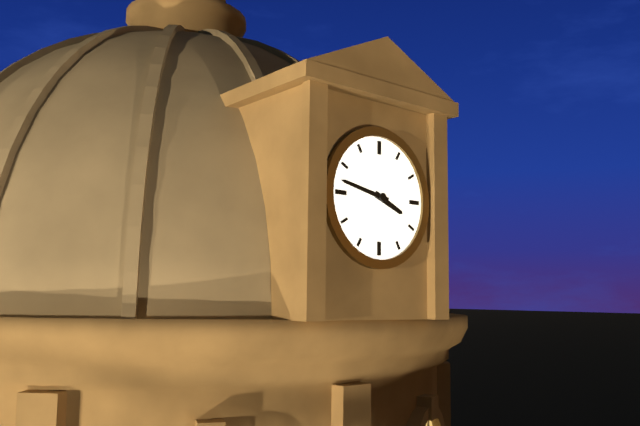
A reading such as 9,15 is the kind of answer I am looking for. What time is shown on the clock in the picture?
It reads 3,47
